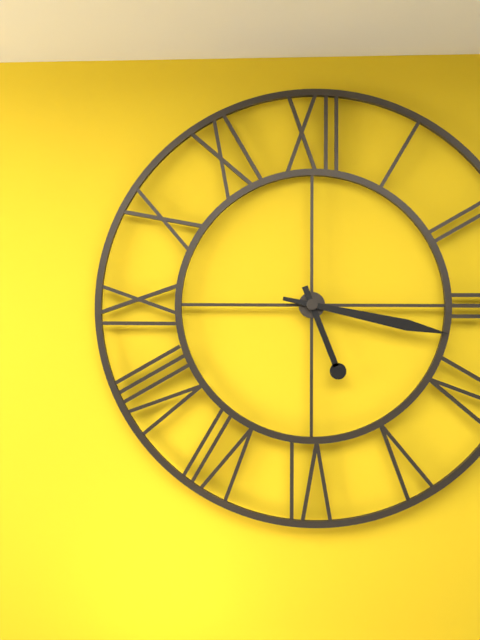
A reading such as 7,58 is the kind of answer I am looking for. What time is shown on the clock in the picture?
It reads 5,17
